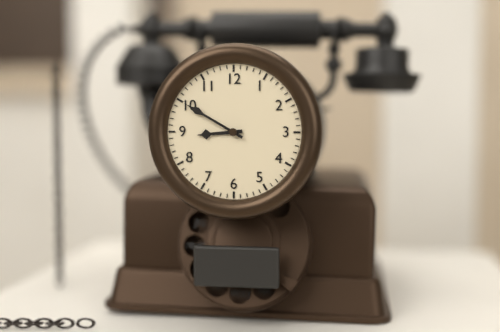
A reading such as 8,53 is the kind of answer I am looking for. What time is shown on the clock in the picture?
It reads 8,50
